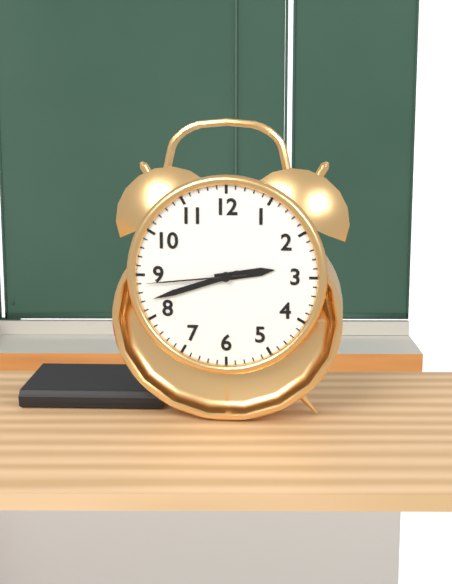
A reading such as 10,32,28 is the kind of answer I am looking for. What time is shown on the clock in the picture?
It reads 2,42,44
